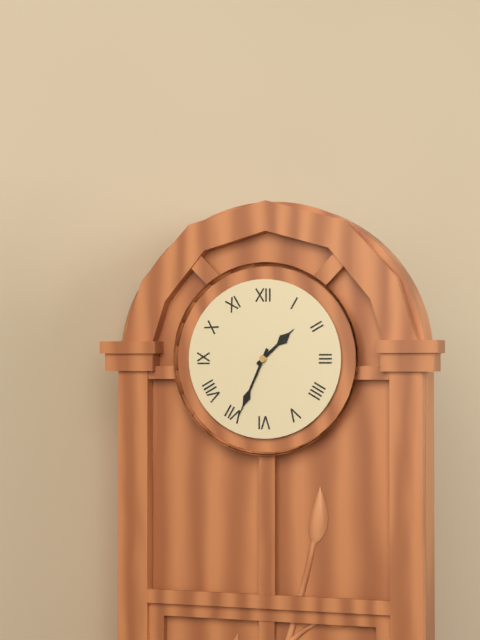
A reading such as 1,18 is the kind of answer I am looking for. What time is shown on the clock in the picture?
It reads 1,34
